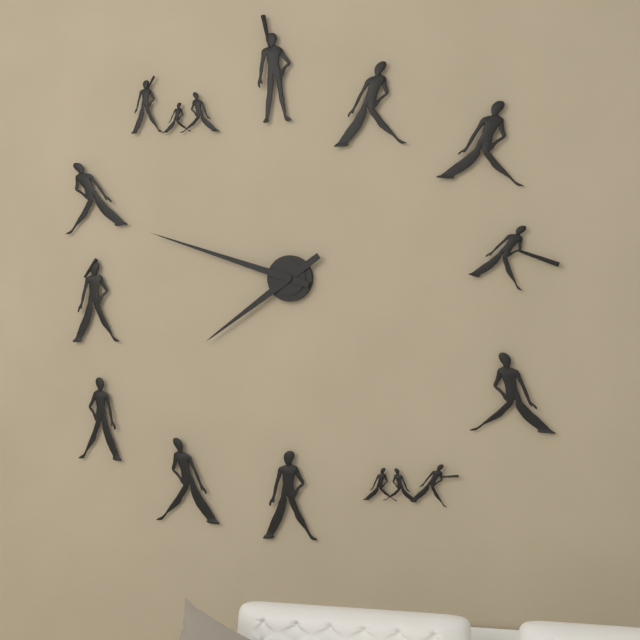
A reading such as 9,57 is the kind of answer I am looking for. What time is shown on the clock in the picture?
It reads 7,48
